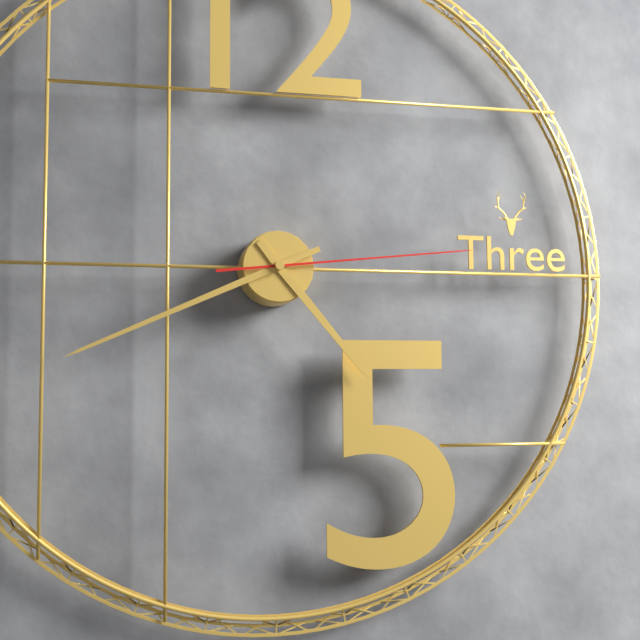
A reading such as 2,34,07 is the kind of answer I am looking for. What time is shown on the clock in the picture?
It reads 4,41,14
